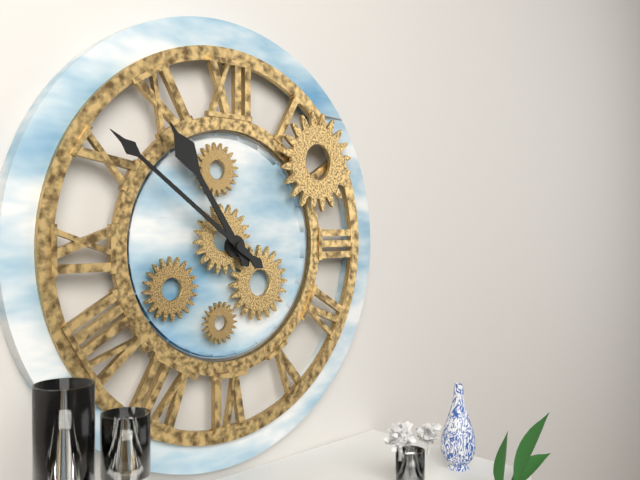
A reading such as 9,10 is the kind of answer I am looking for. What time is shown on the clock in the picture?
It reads 10,51
